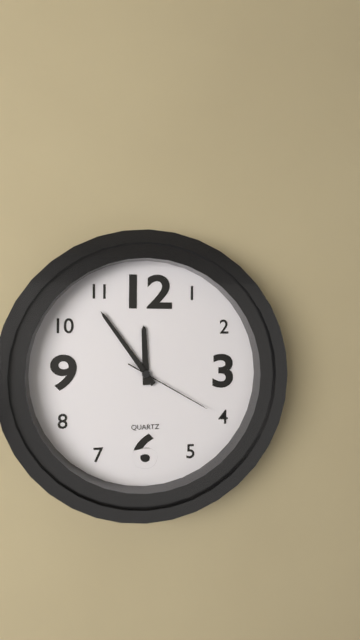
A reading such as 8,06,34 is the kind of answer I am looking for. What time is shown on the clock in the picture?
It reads 11,54,20
